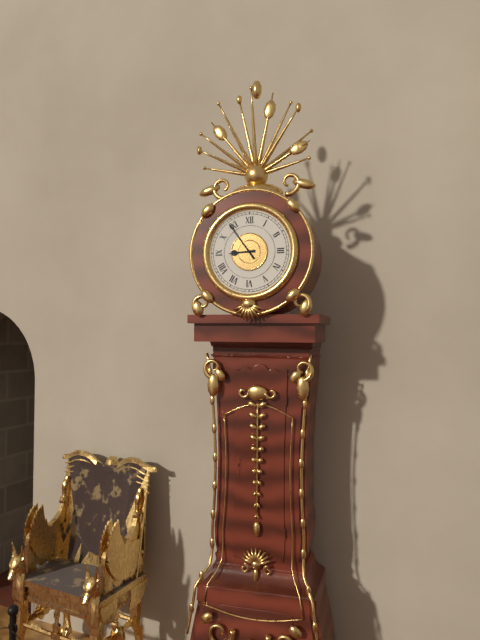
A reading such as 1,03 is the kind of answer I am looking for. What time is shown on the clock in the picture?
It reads 8,54
